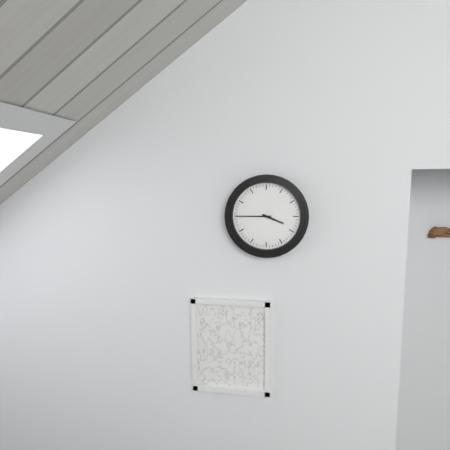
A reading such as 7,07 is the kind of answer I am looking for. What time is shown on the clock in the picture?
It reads 3,45
